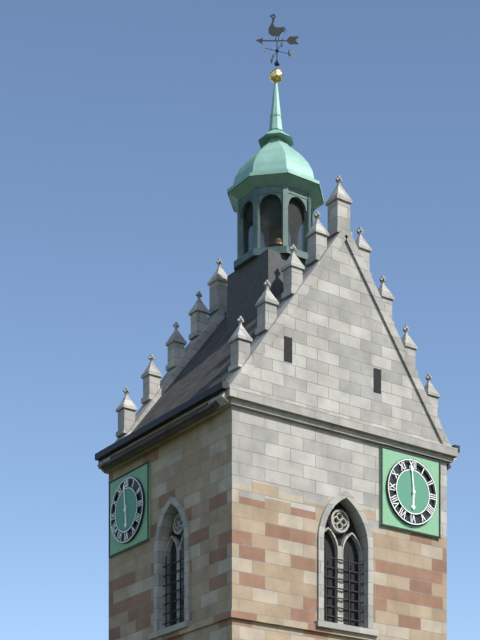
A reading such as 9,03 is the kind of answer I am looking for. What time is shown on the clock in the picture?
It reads 5,59
